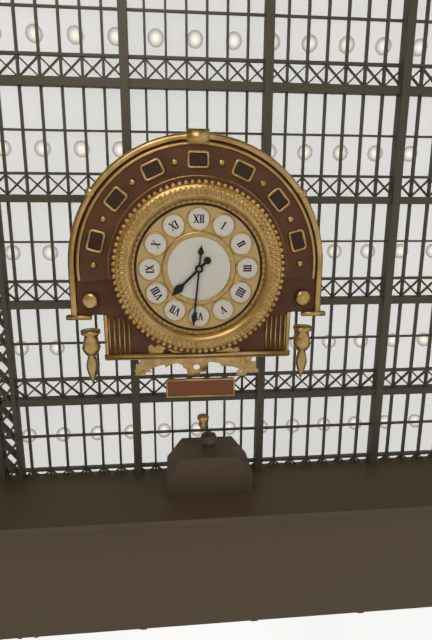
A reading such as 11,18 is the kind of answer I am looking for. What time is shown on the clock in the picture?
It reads 7,31
